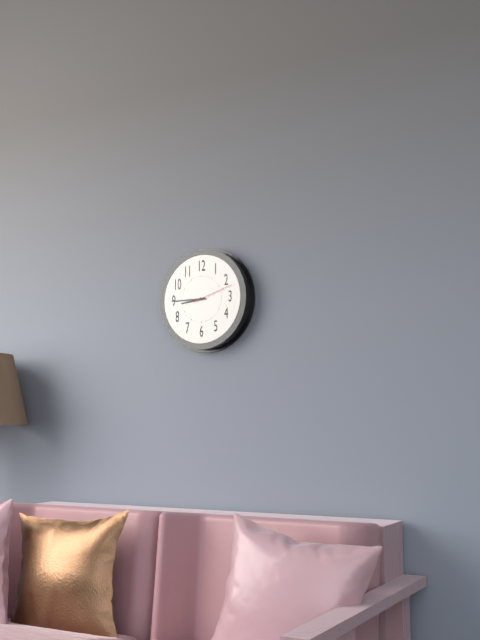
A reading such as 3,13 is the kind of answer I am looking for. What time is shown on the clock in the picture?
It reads 8,45
